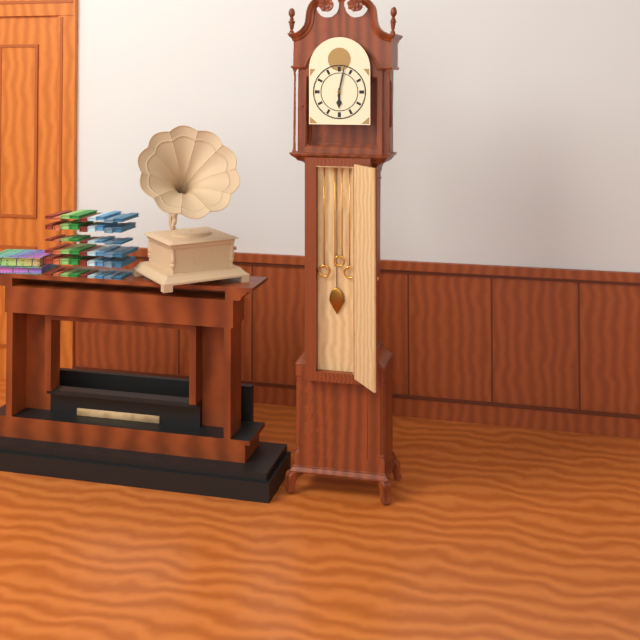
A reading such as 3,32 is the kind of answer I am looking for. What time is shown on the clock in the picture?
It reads 6,02
